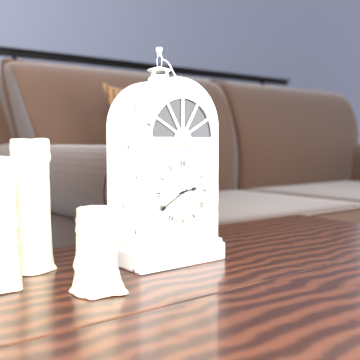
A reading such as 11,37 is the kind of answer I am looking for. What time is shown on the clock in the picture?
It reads 2,40
